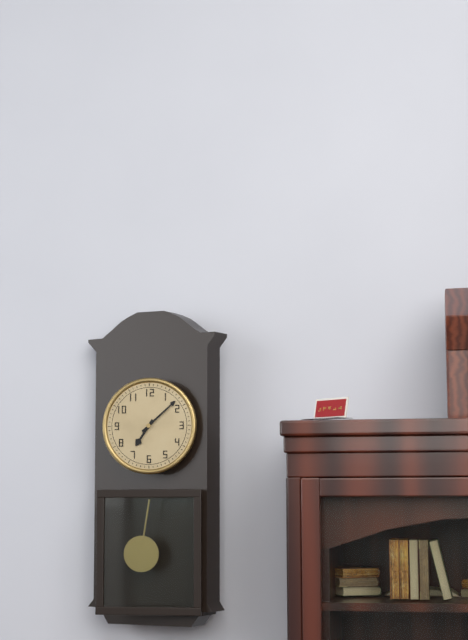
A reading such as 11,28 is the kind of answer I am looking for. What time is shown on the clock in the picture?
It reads 7,08
